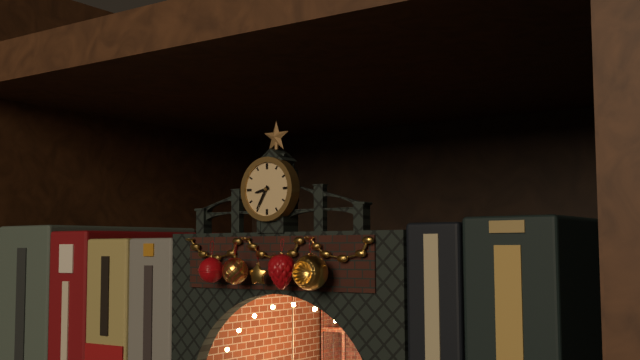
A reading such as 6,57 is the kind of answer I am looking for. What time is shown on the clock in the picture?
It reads 8,35
